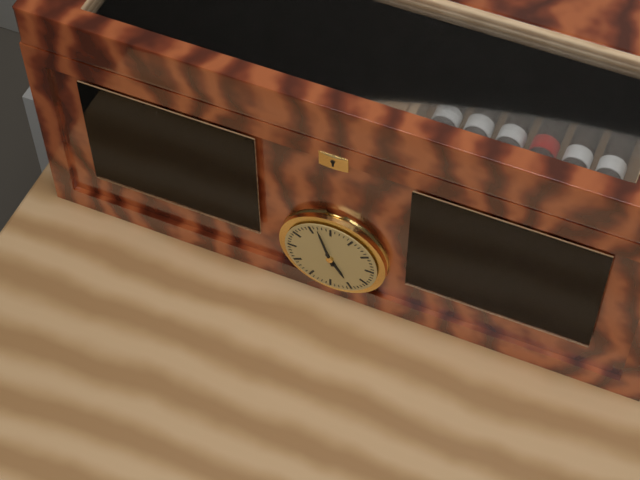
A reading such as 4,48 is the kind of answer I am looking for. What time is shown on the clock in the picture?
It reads 4,57
